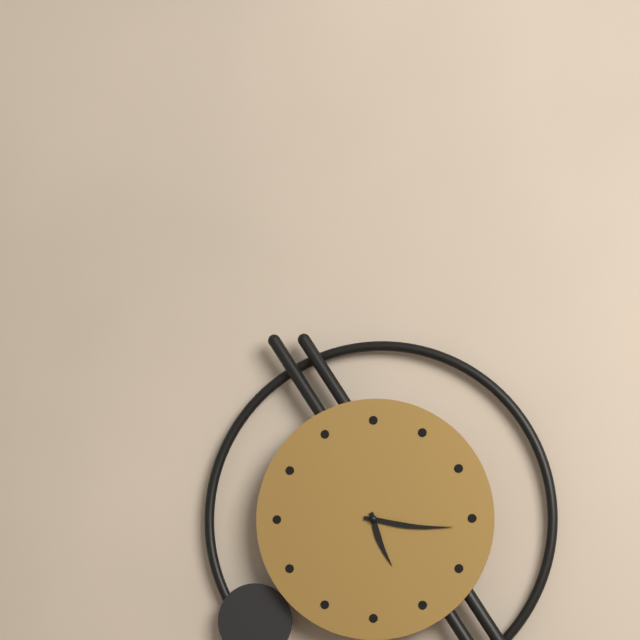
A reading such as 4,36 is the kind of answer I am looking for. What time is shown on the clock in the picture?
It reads 5,16
